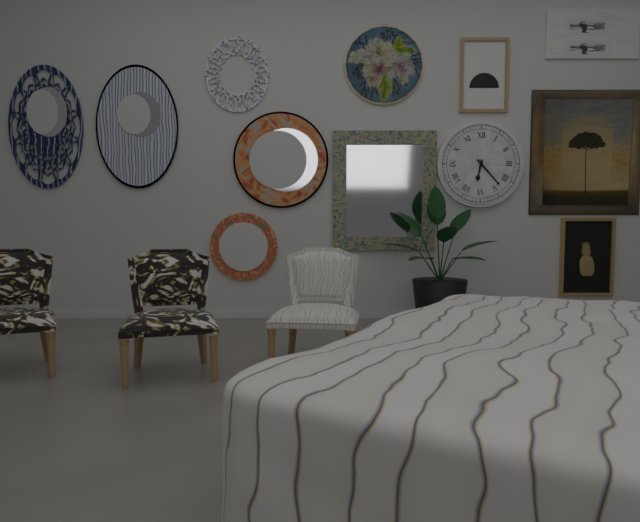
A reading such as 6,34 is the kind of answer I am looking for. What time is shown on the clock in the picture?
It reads 6,23
